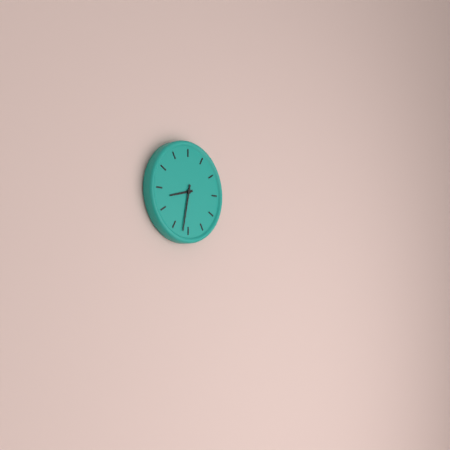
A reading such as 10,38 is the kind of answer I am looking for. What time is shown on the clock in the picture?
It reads 8,32
